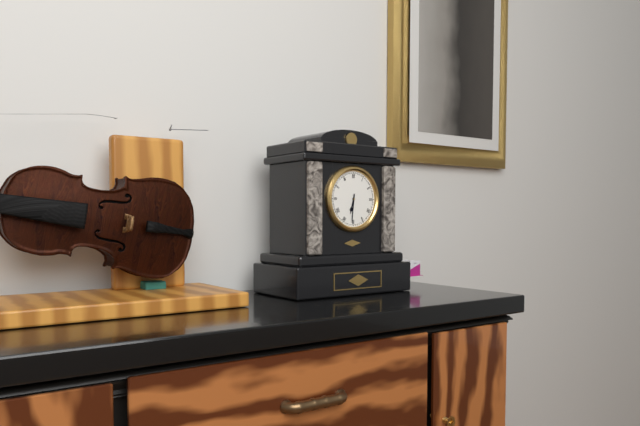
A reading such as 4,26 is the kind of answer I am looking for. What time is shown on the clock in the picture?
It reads 6,31
